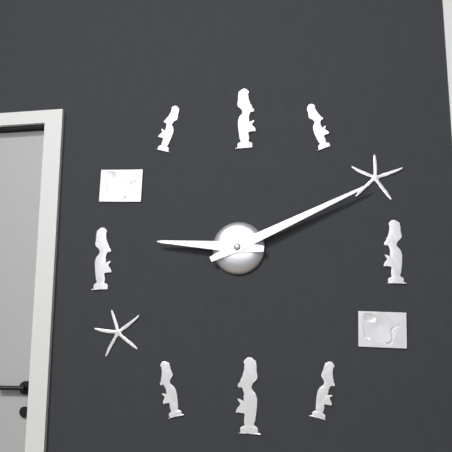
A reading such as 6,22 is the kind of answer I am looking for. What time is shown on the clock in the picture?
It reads 9,11
